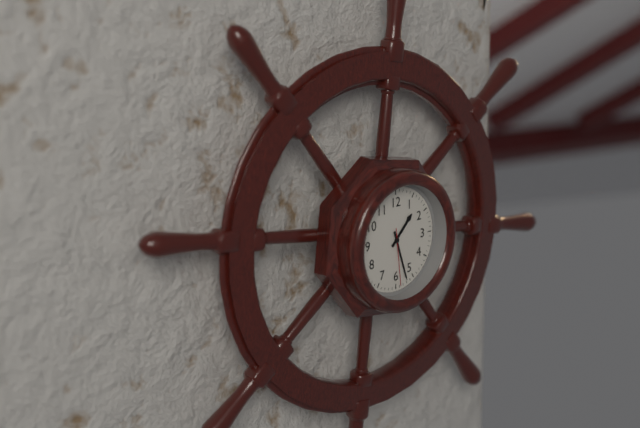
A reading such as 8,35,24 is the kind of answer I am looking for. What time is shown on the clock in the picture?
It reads 1,27,29
